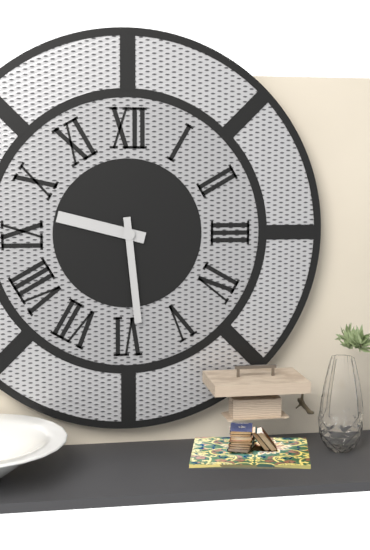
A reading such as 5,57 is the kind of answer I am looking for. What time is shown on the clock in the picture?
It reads 9,29
